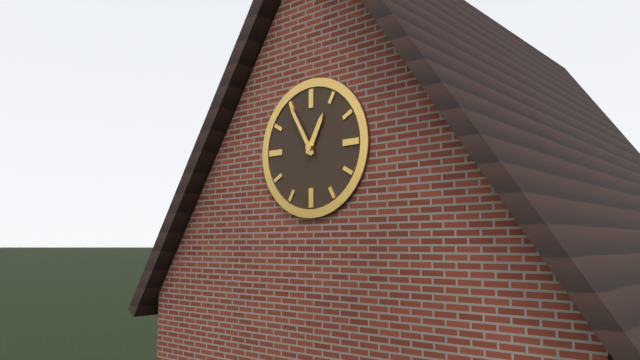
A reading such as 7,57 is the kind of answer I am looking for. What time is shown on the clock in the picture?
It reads 12,55
